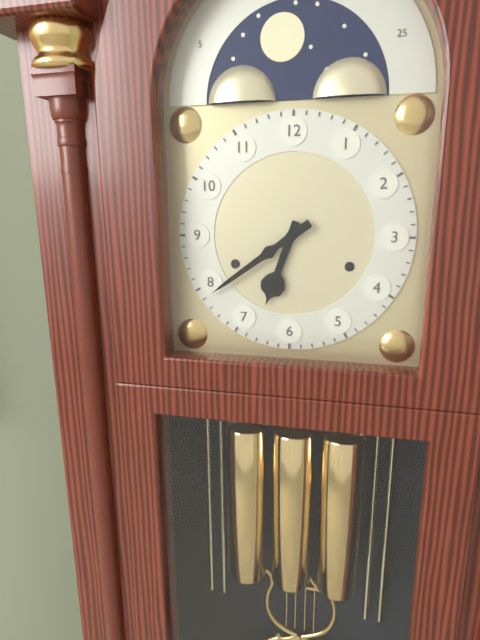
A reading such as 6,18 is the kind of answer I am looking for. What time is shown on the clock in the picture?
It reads 6,39
